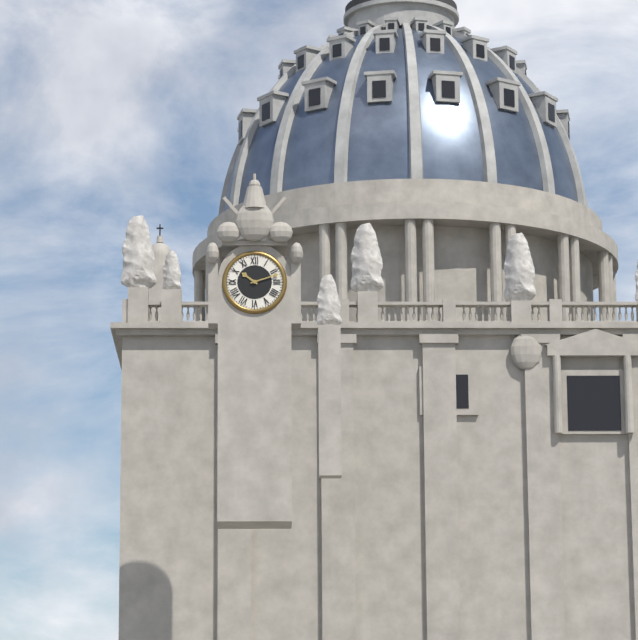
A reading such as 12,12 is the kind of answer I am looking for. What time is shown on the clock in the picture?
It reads 10,12
